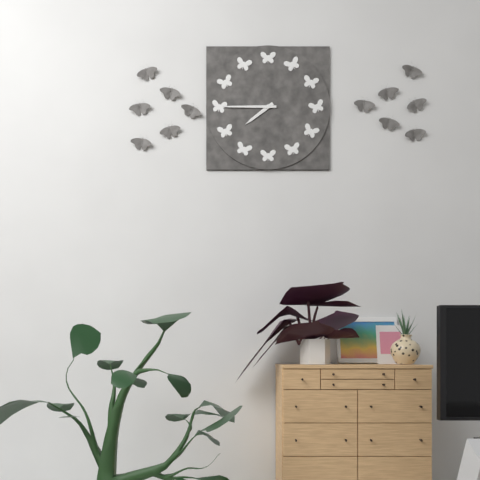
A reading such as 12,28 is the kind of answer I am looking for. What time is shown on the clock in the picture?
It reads 7,45
